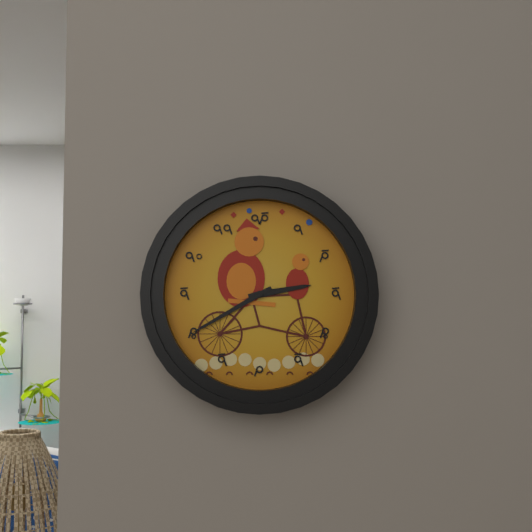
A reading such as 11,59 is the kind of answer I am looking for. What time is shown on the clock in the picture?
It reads 2,40
